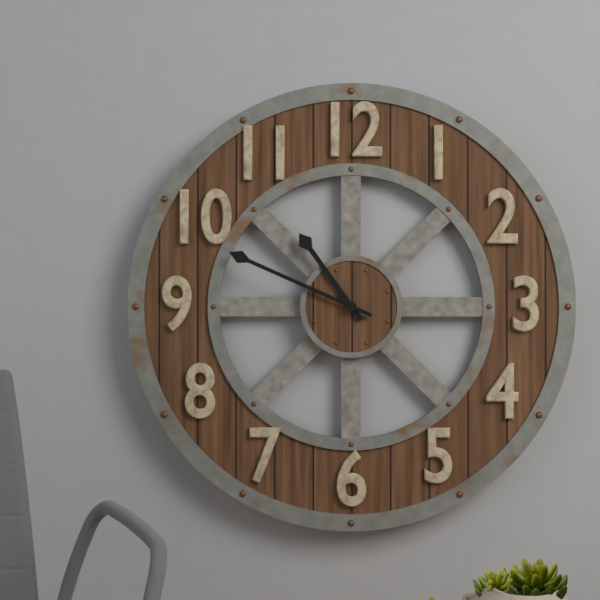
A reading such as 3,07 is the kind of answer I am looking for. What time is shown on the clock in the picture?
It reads 10,49
